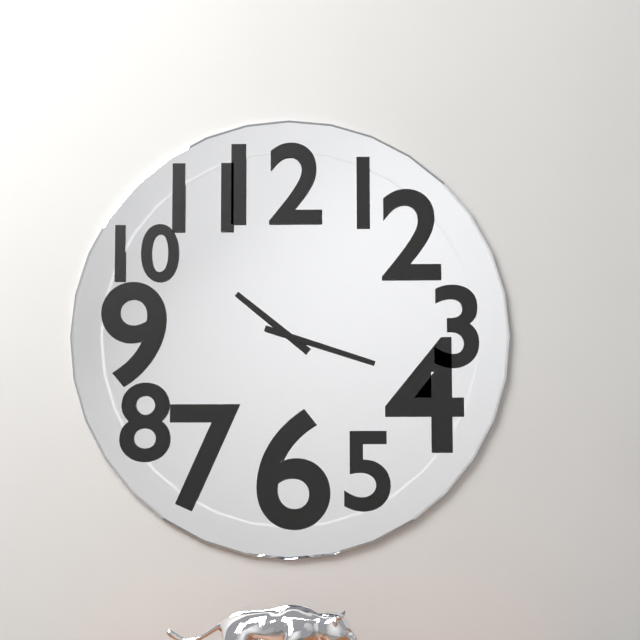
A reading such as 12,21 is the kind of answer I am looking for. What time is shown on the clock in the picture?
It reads 10,18
